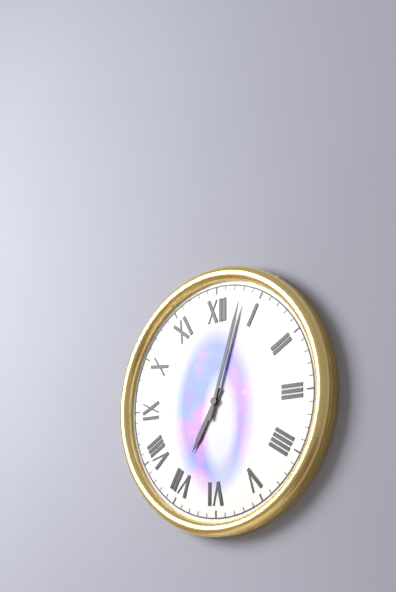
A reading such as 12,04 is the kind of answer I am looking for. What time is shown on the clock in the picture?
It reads 7,03
